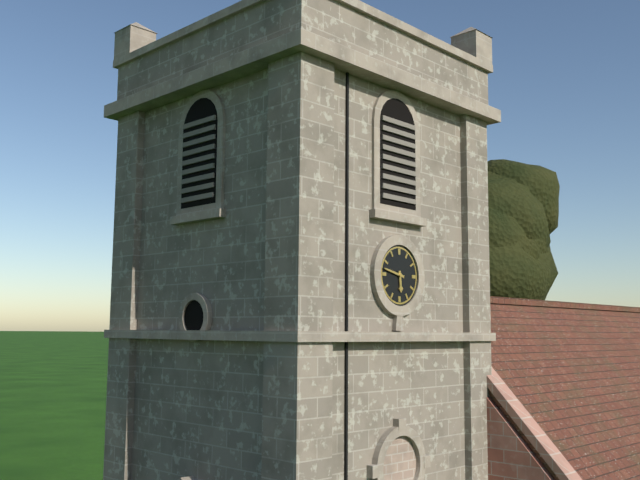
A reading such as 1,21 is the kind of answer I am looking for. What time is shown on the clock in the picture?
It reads 5,47
